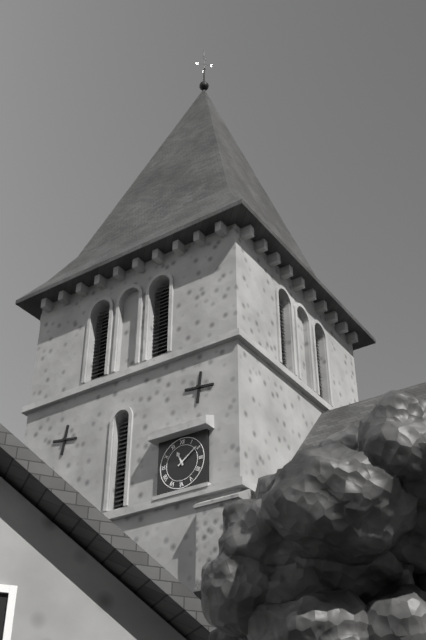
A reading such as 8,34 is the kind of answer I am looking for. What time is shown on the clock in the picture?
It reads 11,09
